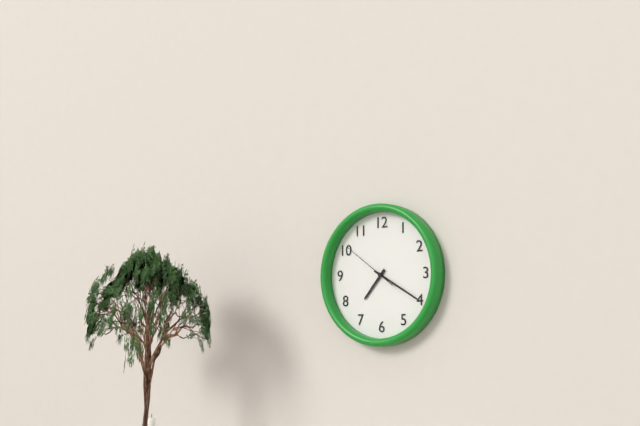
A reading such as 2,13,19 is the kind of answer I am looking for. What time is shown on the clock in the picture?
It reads 7,20,51
